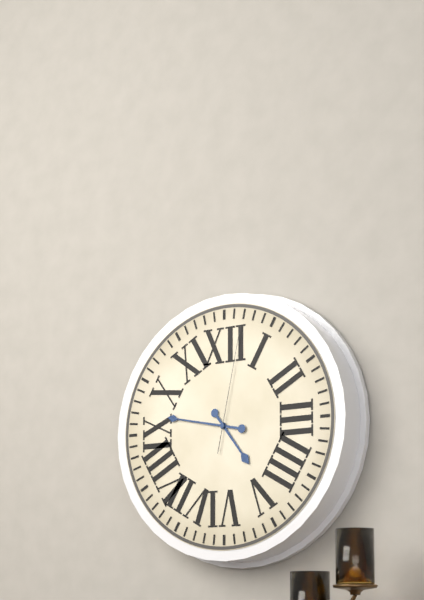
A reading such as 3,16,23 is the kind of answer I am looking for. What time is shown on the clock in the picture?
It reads 4,47,02
